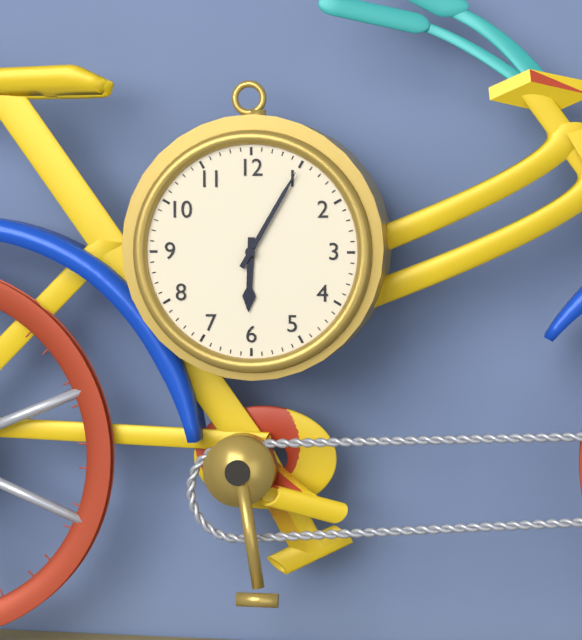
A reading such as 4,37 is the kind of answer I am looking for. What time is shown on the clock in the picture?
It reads 6,05
